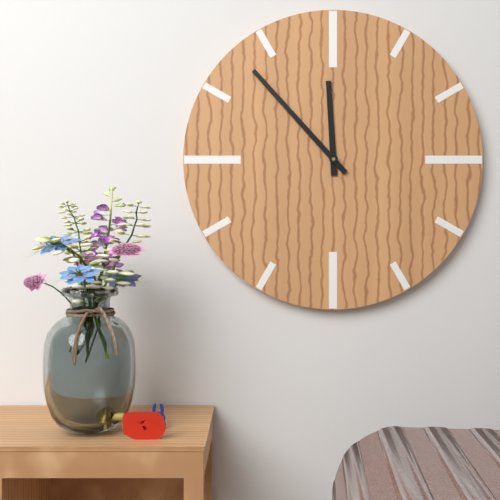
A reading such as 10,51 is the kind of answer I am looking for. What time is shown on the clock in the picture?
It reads 11,53
